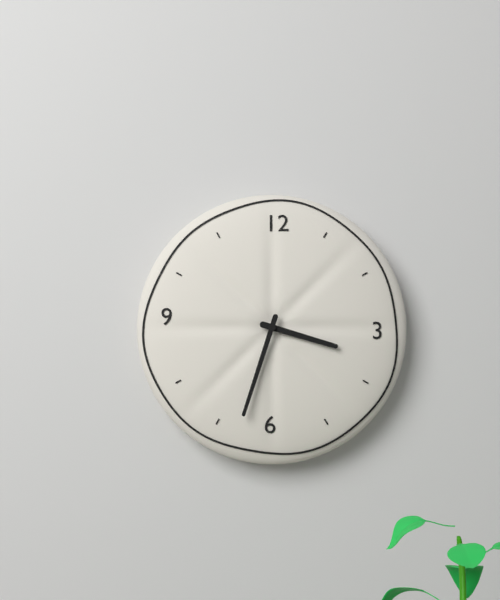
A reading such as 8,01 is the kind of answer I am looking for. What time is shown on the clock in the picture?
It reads 3,33
